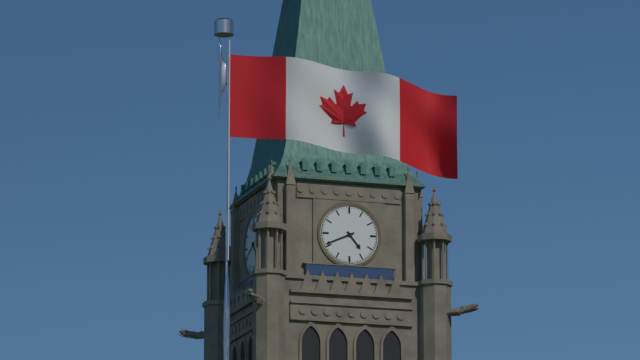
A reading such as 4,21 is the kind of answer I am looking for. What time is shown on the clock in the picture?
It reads 4,41
